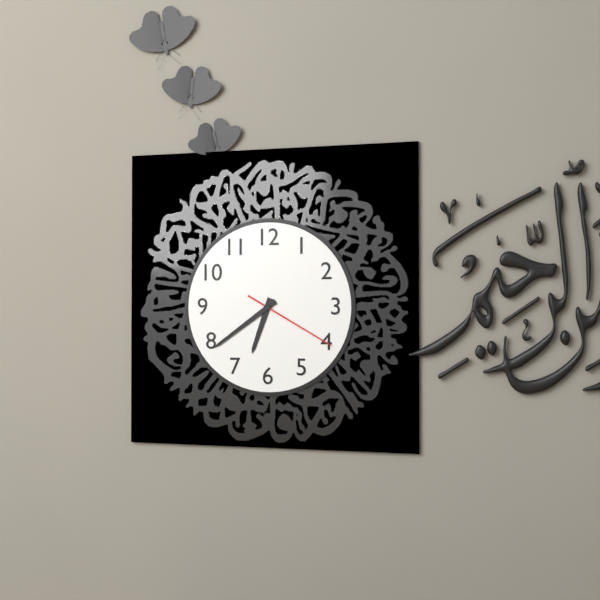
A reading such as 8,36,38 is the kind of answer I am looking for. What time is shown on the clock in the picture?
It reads 6,39,20
